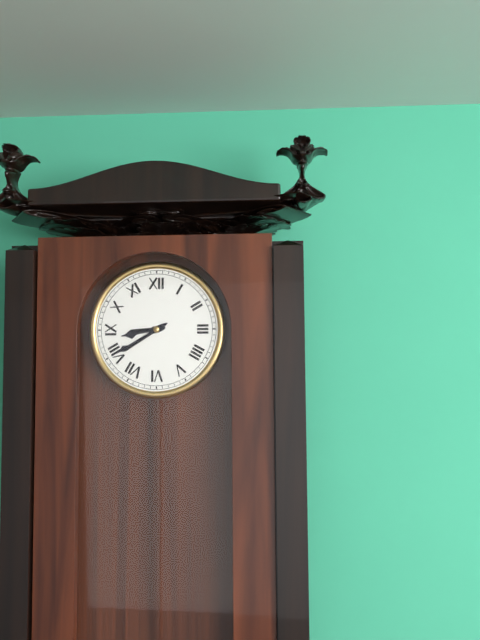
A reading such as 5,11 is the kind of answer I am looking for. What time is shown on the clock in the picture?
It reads 8,40
